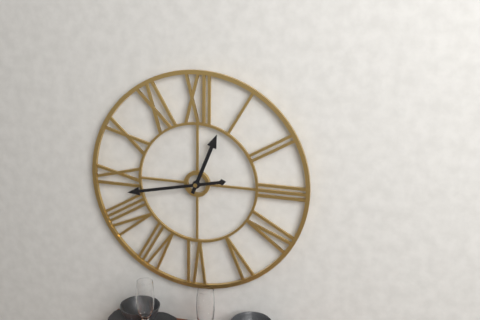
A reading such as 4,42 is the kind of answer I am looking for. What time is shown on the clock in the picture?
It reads 12,43
